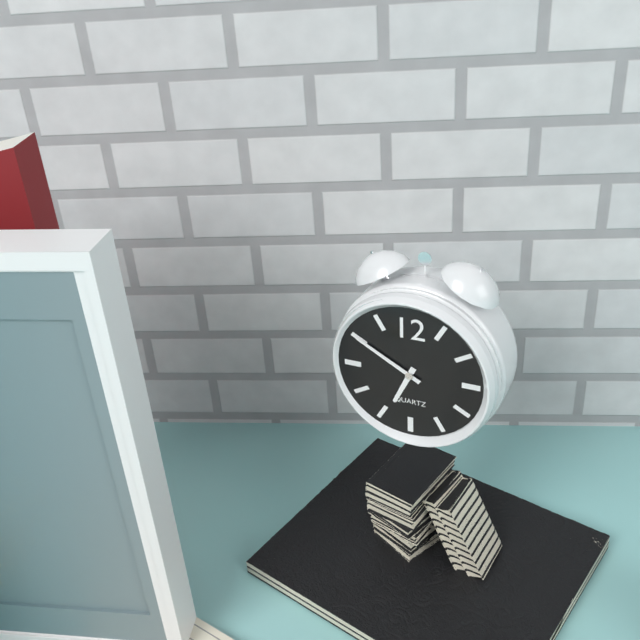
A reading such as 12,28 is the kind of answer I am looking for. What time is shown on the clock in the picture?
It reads 6,50
